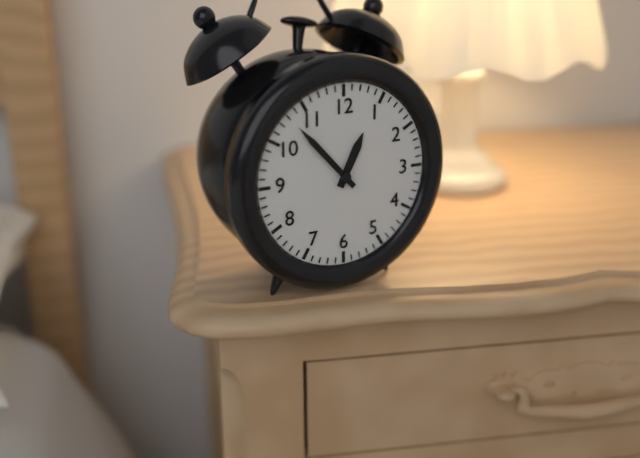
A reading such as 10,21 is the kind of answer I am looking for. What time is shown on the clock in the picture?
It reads 12,53
